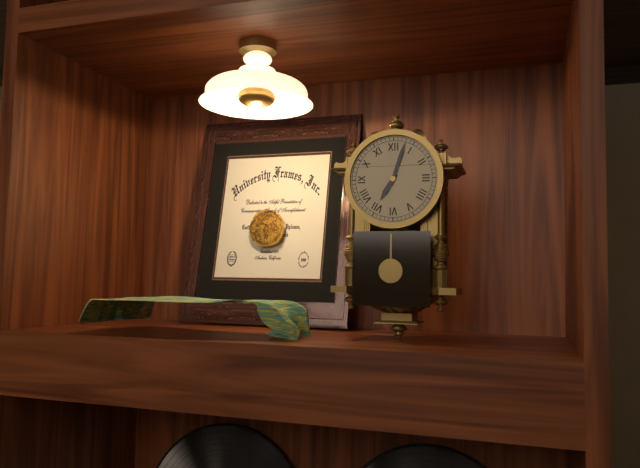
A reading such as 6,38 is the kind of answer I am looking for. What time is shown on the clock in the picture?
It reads 7,03
